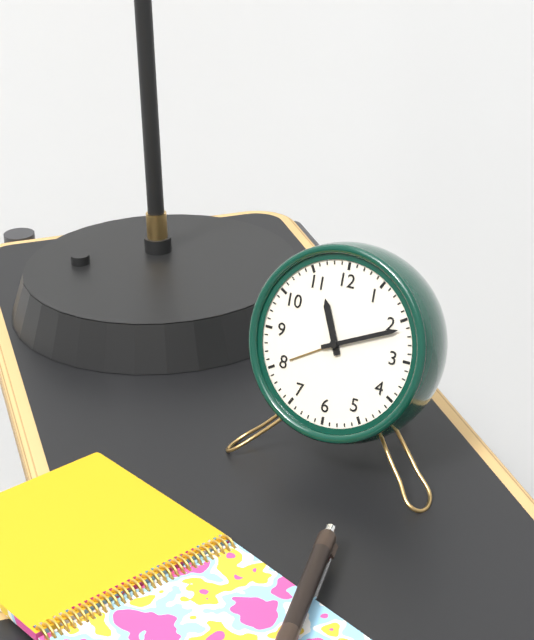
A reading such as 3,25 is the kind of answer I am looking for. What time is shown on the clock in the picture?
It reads 11,11
